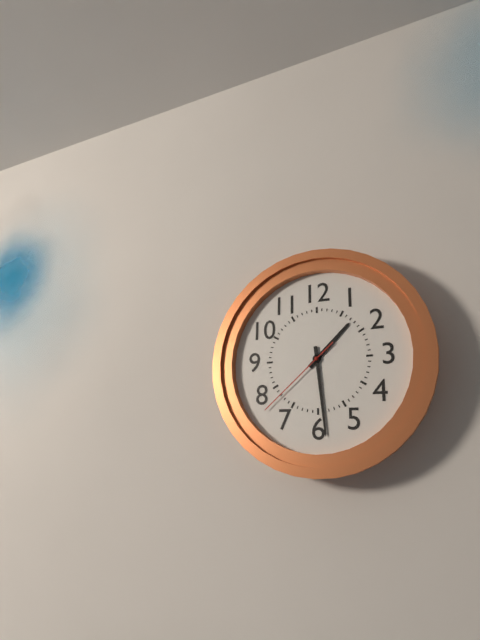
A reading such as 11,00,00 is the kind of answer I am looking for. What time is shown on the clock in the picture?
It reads 1,29,38
